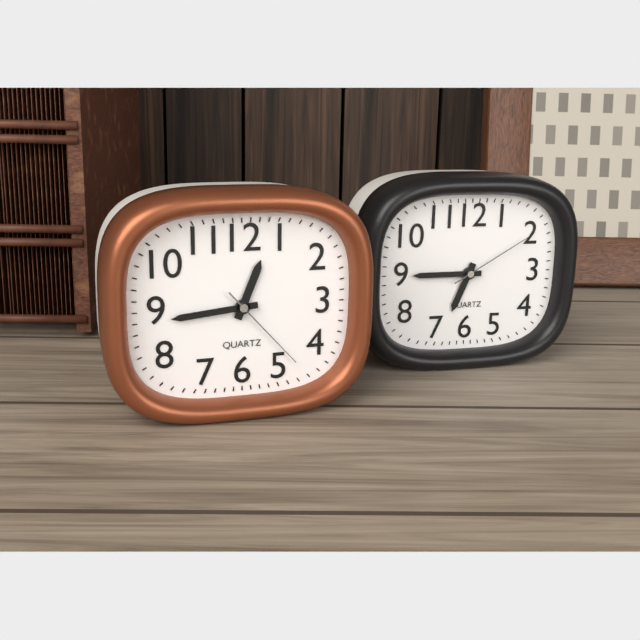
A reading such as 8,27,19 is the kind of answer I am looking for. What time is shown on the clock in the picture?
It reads 12,44,23
